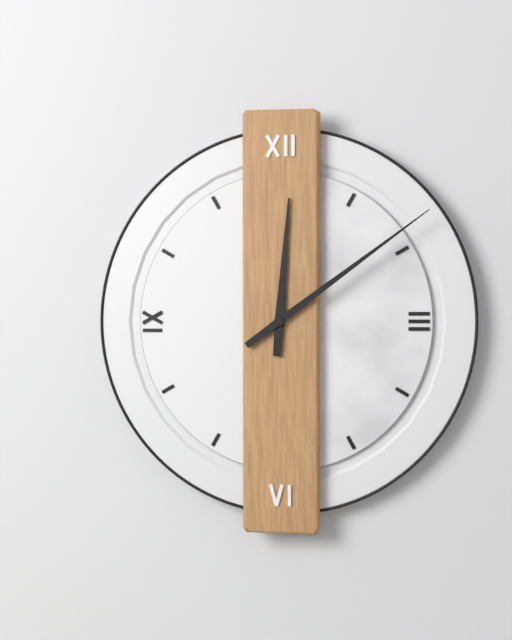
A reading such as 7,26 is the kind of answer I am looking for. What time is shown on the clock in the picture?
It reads 12,09
